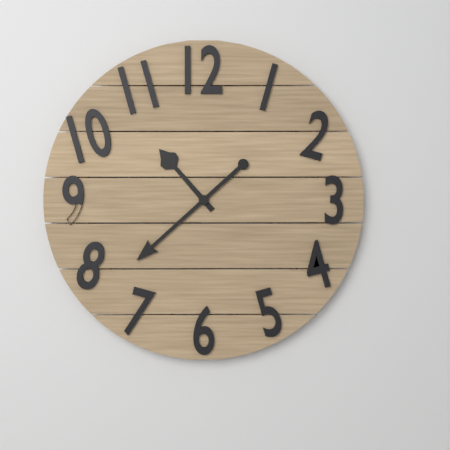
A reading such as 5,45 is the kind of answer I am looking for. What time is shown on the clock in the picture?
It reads 10,38
